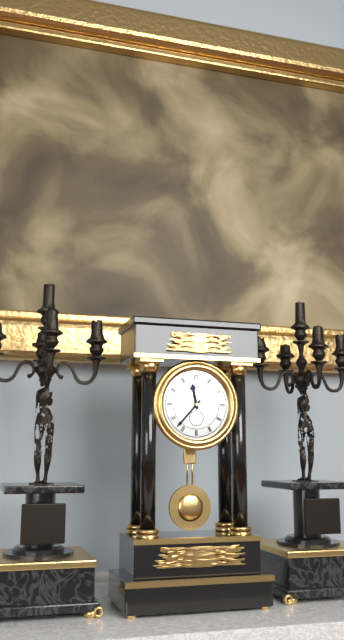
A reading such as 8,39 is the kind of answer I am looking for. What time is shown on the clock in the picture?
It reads 11,37
